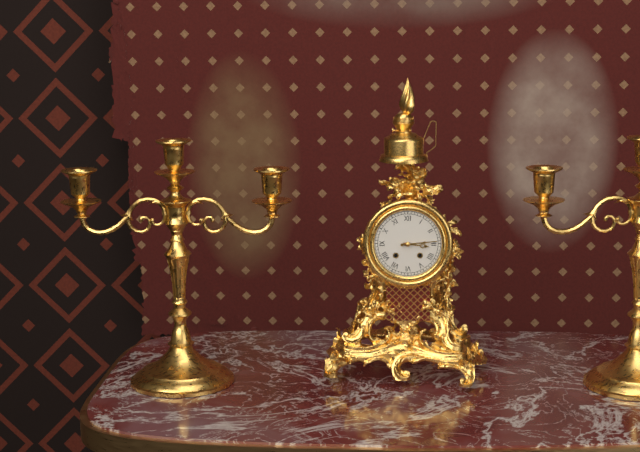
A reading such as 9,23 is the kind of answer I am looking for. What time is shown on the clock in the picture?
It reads 3,14
